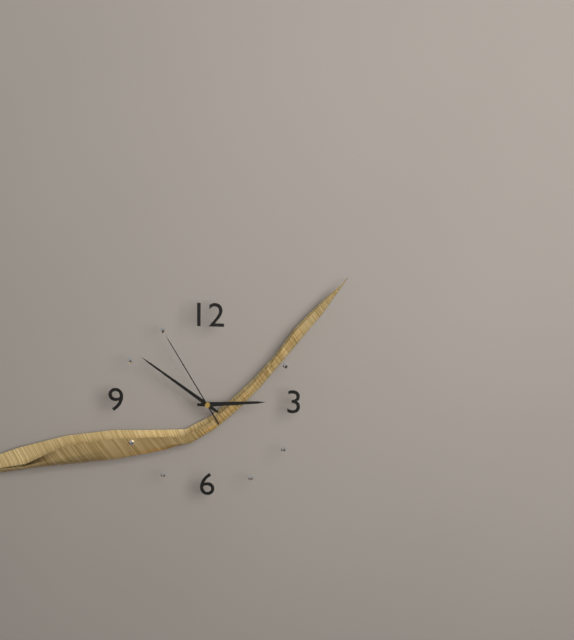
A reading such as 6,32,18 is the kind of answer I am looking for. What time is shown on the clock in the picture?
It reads 2,51,55
